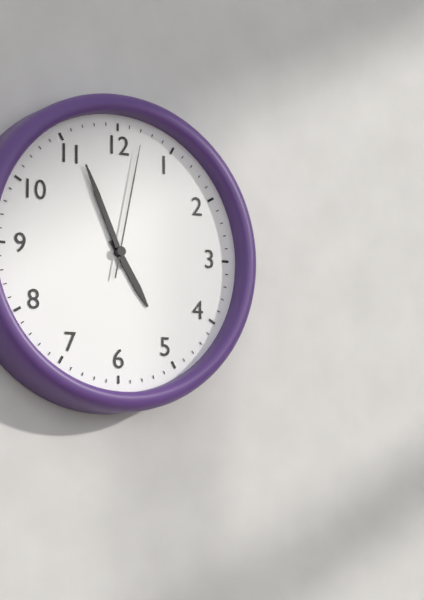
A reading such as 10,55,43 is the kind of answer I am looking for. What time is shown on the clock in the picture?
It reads 4,56,02
